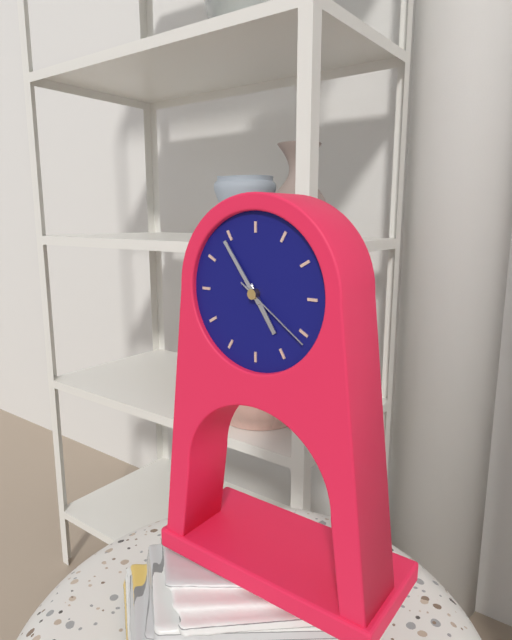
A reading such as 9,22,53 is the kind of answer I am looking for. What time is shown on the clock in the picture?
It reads 4,54,21
